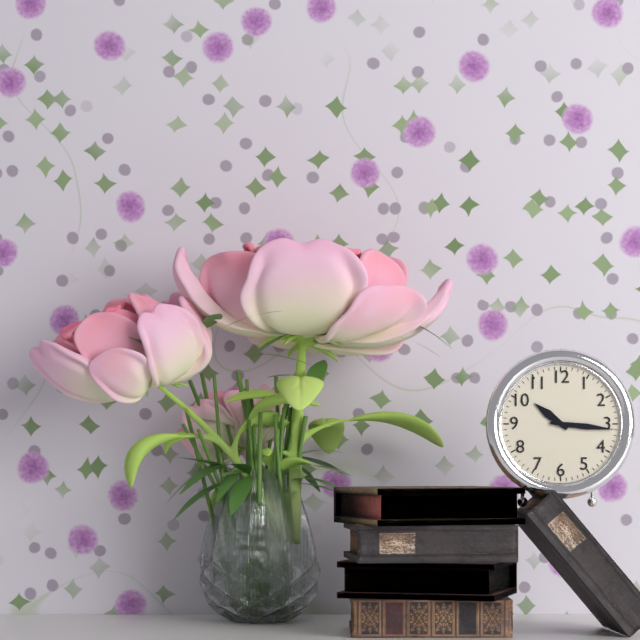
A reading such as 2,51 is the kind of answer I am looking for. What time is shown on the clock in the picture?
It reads 10,16
